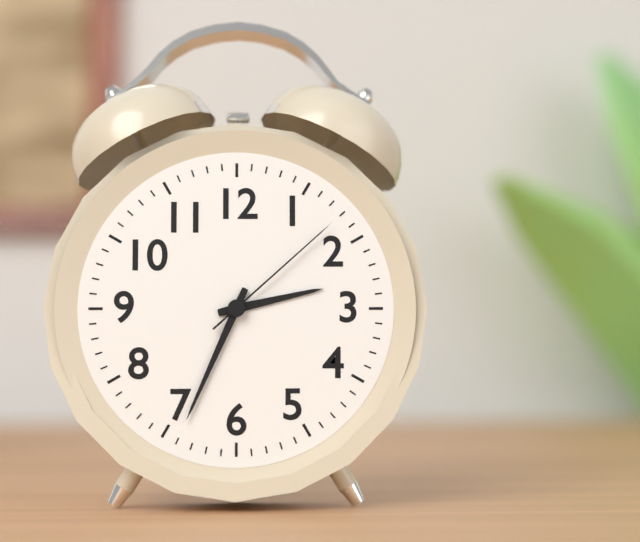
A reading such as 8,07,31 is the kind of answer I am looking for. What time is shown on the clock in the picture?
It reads 2,34,08
